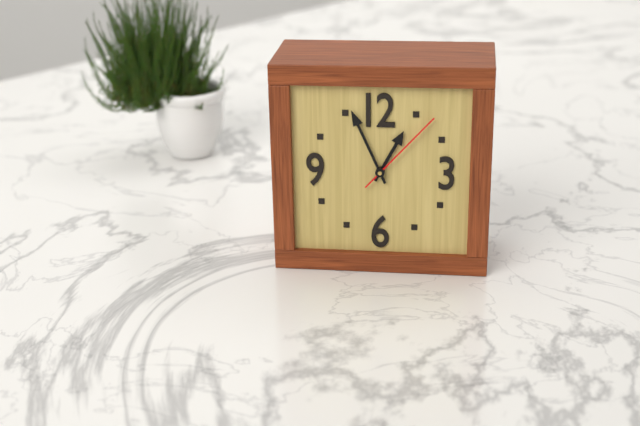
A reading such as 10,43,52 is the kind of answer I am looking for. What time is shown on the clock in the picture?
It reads 12,56,07
